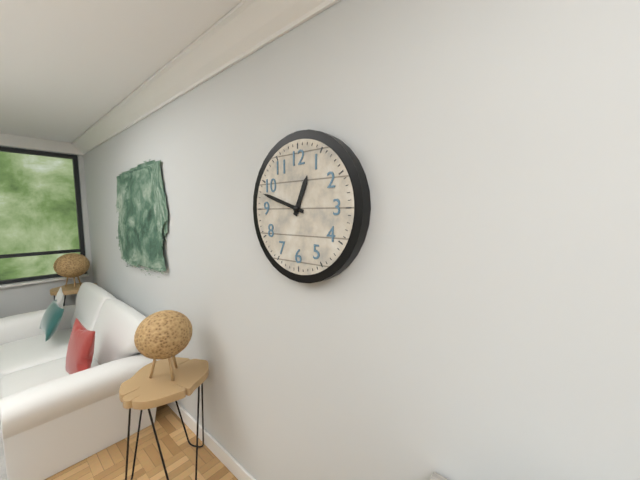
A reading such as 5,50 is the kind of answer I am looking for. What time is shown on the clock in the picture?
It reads 12,48
